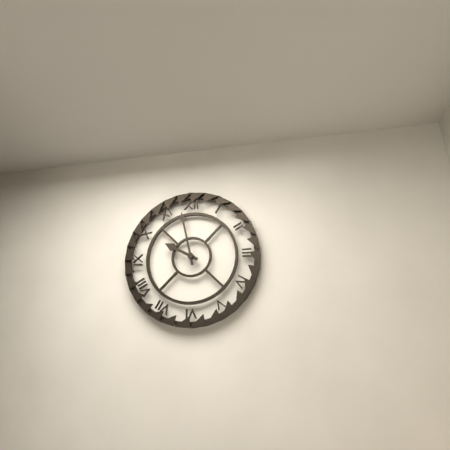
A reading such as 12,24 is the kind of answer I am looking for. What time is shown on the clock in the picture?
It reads 9,58
